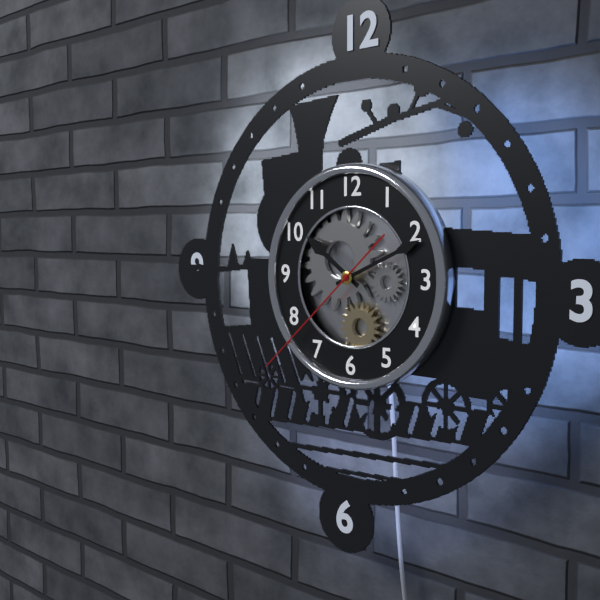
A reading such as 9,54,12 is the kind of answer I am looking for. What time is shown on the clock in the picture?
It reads 10,11,38
